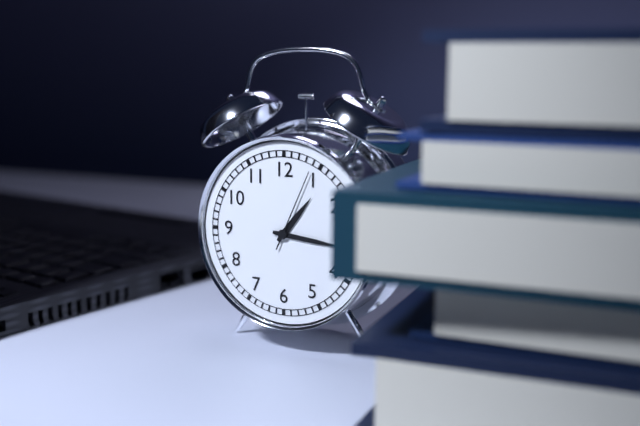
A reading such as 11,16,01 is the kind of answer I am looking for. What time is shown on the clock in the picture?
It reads 1,16,04
